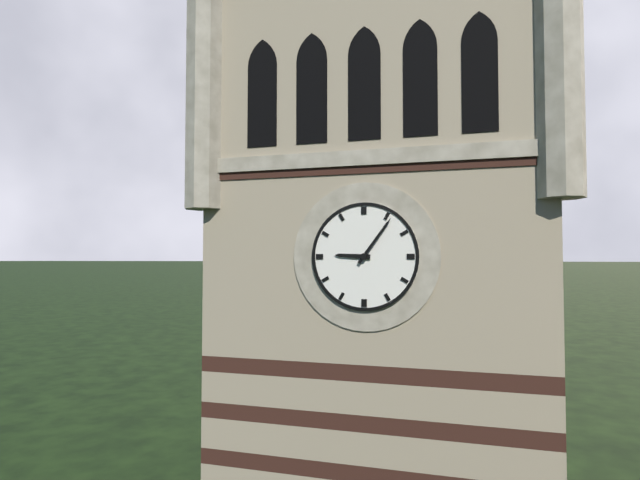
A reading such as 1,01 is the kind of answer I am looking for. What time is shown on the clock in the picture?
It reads 9,06
